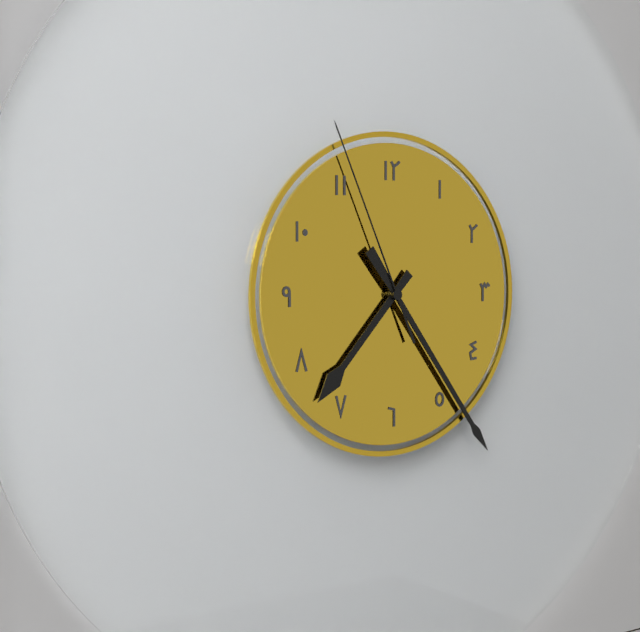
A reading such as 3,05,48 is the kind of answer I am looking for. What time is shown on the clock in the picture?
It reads 7,24,56
